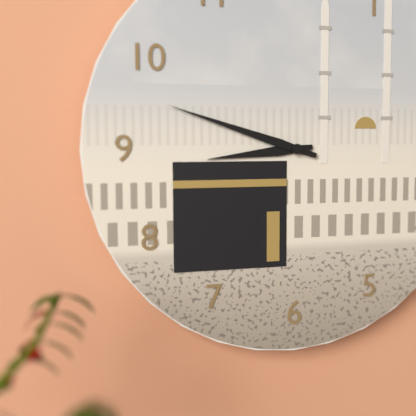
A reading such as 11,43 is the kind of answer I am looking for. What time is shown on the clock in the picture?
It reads 8,48
